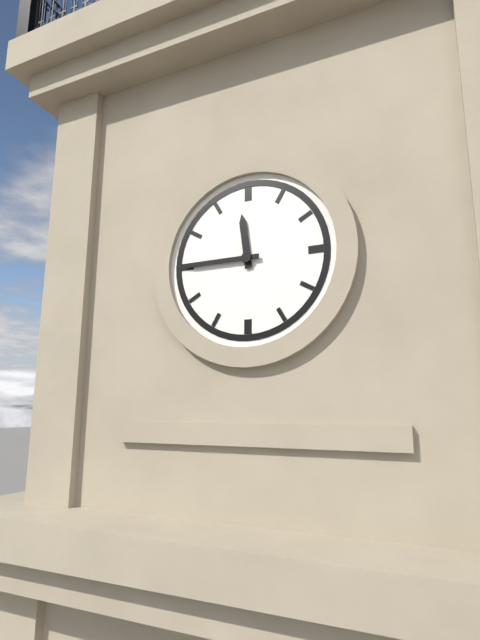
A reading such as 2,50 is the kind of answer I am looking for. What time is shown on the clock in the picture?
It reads 11,45
